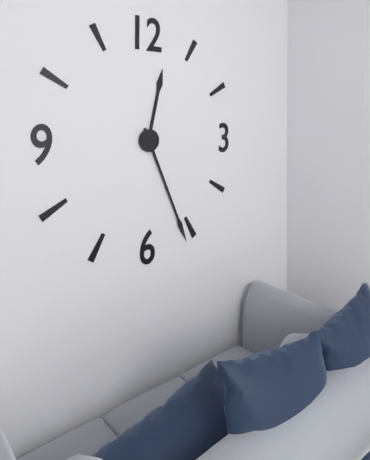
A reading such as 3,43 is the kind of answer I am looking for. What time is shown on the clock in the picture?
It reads 12,26
